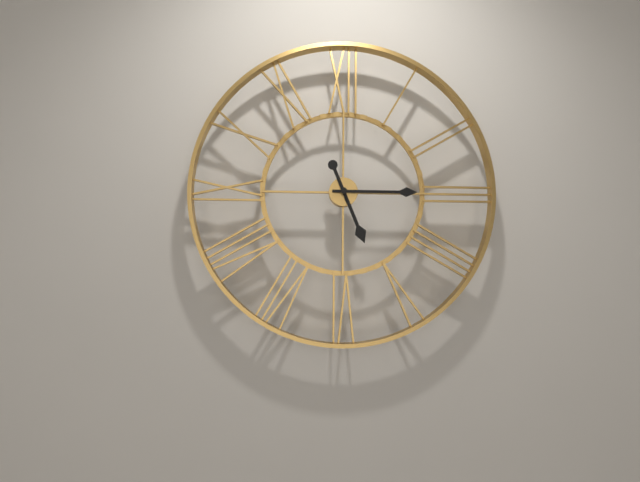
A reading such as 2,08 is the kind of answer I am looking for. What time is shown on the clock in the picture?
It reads 5,15
